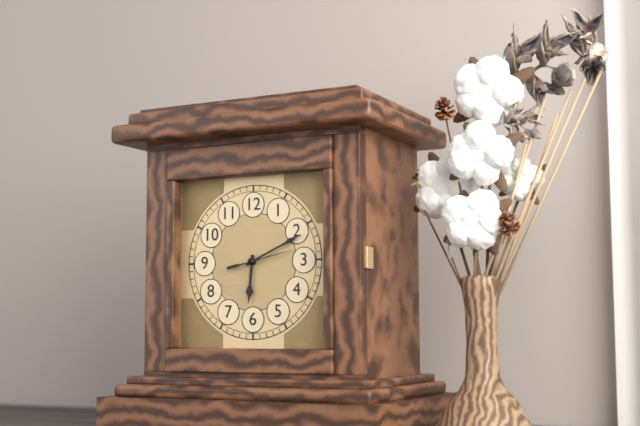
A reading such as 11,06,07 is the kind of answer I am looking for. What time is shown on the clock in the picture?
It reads 6,11,13
